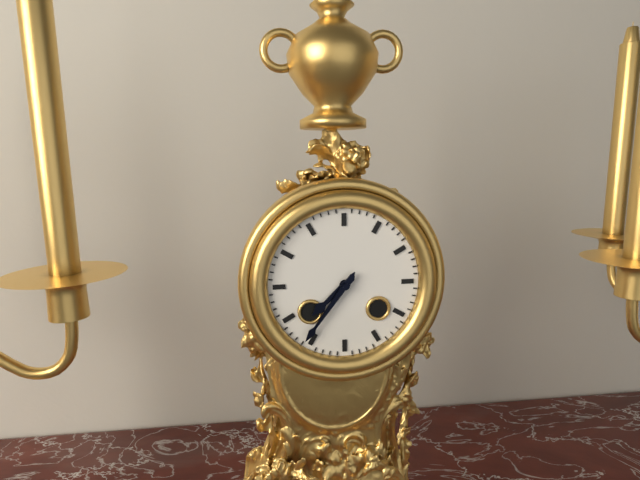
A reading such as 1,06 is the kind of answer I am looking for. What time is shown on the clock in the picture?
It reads 7,36
